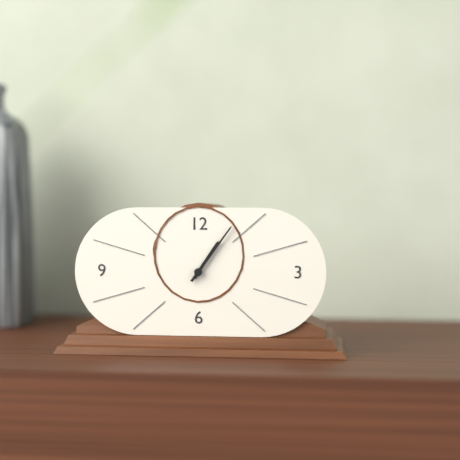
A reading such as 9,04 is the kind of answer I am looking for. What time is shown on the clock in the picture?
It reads 1,06
